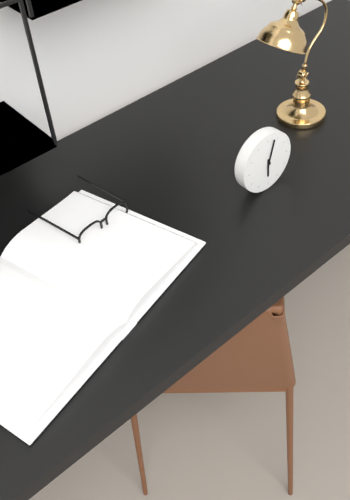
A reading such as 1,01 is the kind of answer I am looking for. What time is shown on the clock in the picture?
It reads 6,03
